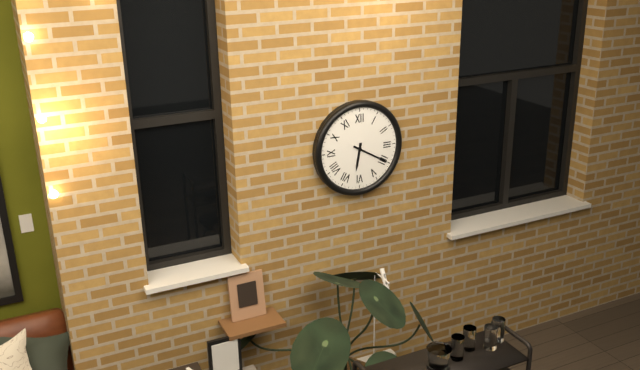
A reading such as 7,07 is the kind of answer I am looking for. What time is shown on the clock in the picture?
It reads 6,20
